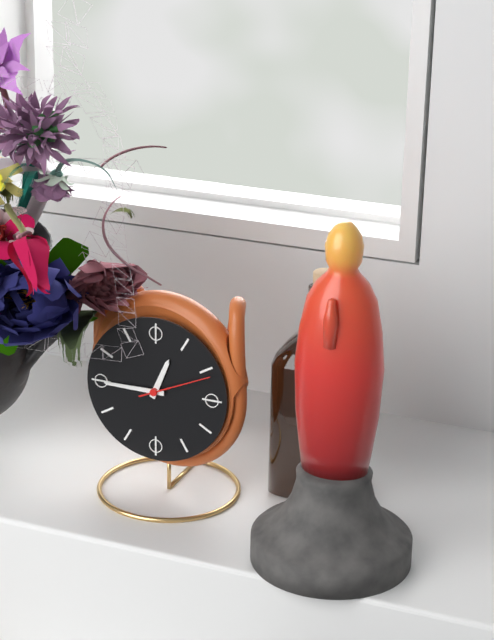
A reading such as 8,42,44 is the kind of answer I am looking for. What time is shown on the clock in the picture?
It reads 12,45,11
